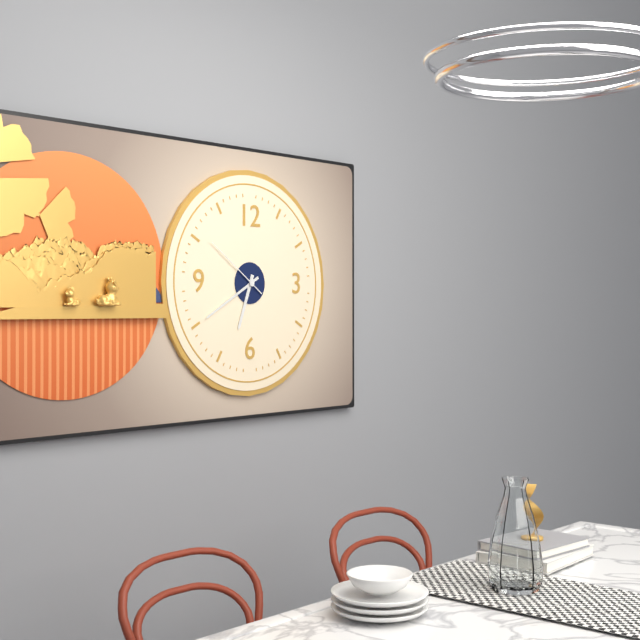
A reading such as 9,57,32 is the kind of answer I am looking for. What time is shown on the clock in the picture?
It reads 6,40,51
